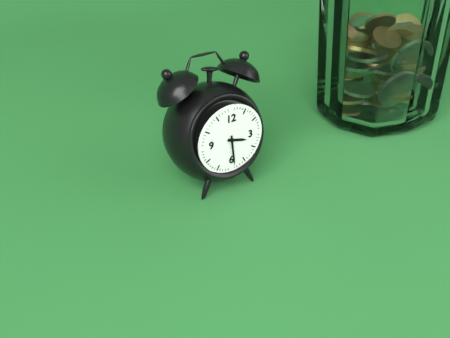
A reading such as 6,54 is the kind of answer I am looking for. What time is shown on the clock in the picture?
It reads 3,29
